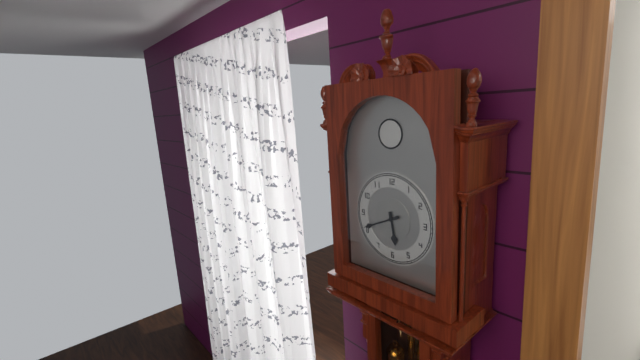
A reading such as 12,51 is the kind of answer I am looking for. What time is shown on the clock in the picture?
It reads 5,41
